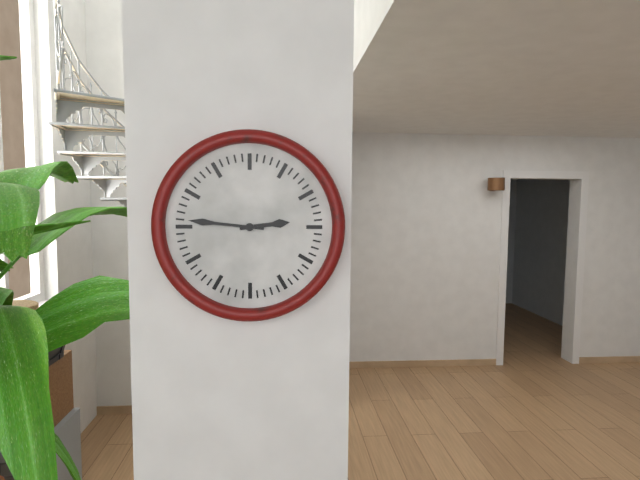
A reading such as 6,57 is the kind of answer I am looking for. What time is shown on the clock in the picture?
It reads 2,46
